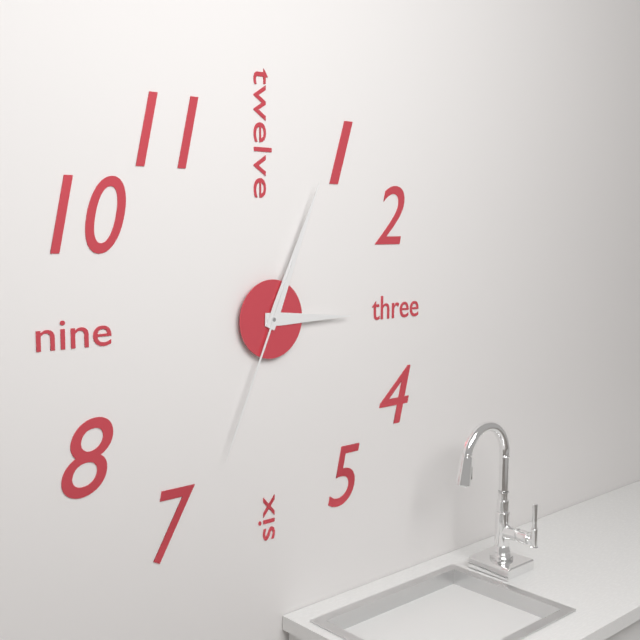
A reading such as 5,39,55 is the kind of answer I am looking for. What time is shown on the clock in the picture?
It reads 3,04,34
